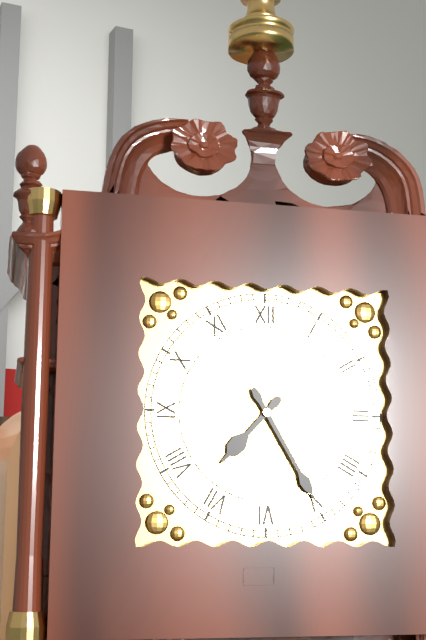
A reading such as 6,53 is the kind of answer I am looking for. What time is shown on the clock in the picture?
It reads 7,25
